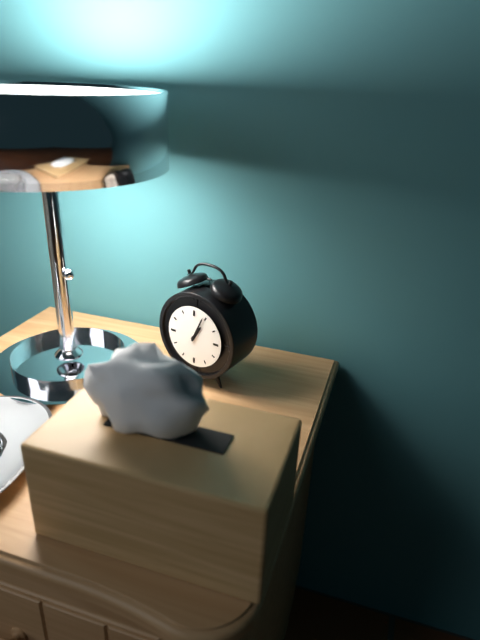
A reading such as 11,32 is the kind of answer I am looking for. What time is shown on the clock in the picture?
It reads 1,04
